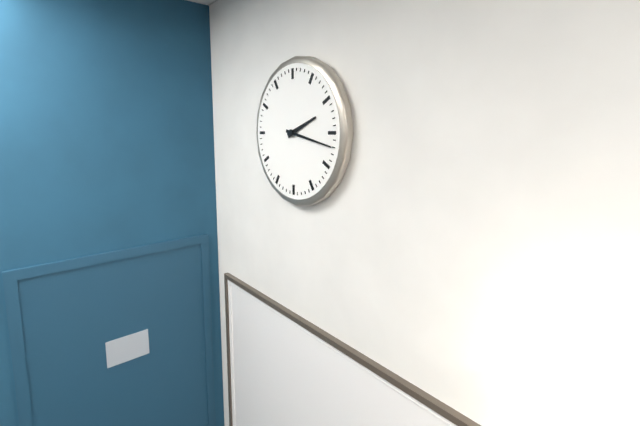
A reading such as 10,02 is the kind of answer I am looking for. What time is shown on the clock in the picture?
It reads 2,17
